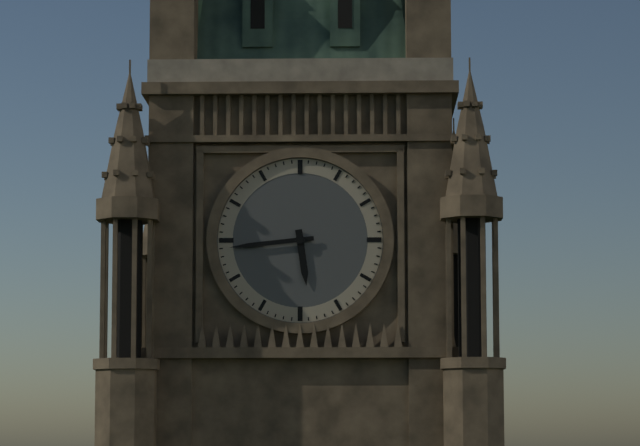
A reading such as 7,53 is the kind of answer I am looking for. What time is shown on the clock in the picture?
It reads 5,44
